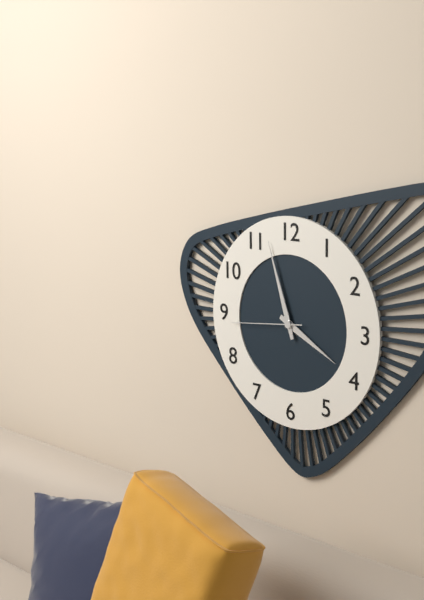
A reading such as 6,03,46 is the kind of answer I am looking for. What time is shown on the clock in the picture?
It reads 3,57,44
